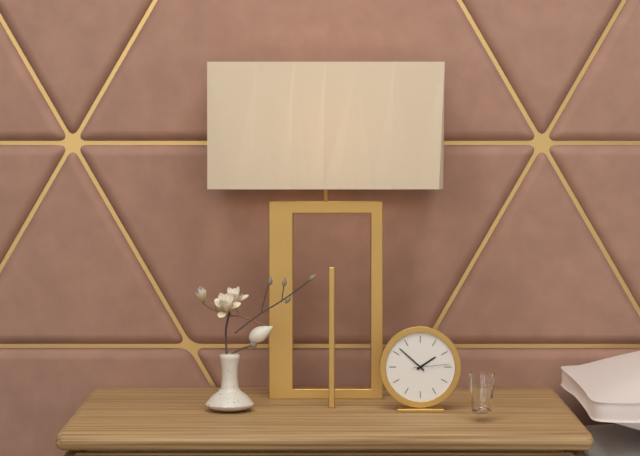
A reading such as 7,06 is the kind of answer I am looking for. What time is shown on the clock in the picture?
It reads 1,52
